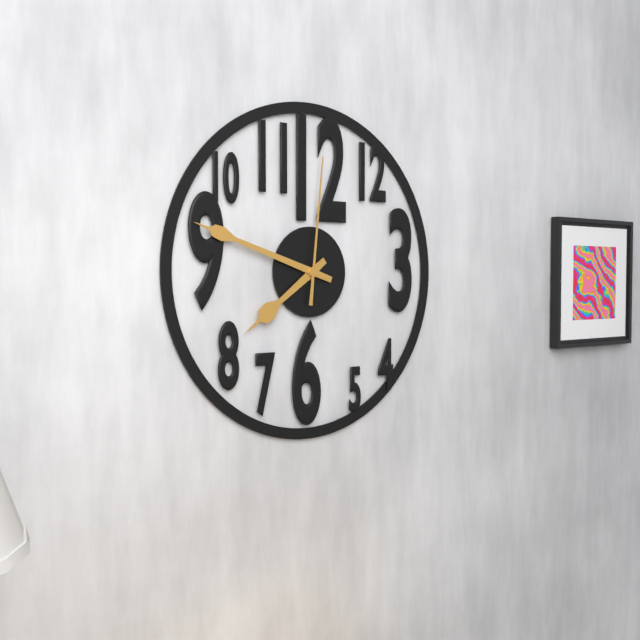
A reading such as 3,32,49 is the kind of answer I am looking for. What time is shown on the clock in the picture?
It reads 7,48,01
